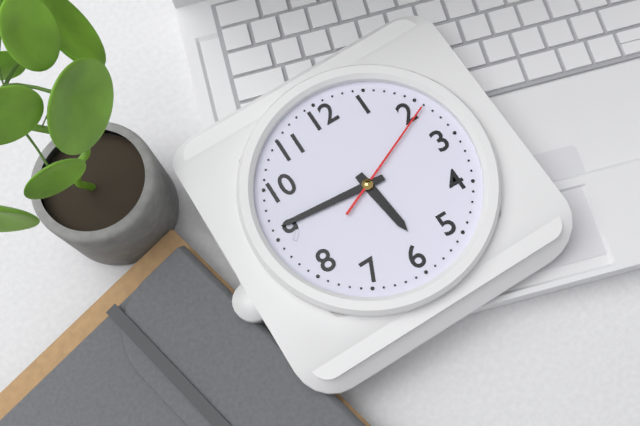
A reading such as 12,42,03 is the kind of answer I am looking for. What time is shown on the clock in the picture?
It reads 5,46,11
